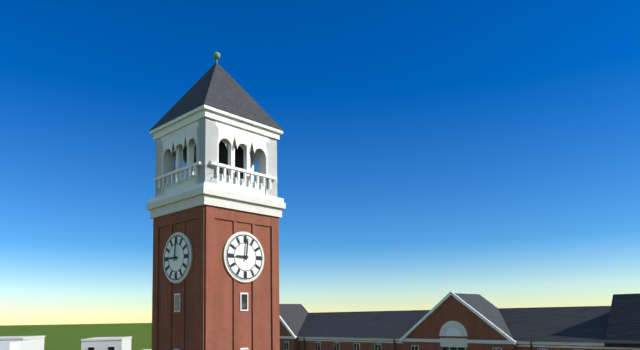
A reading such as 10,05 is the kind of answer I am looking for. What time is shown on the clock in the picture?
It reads 9,01
